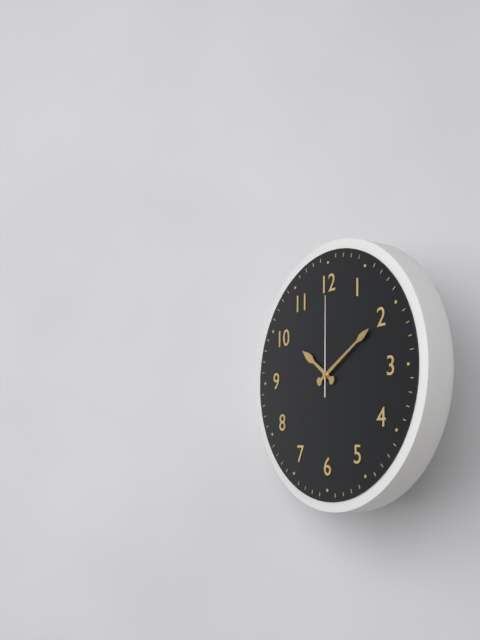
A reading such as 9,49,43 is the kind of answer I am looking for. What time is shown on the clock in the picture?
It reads 10,10,00
